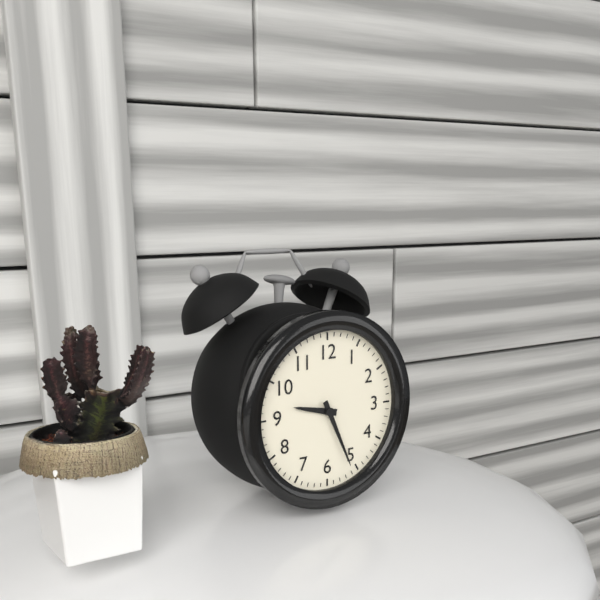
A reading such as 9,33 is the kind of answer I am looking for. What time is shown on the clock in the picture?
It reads 9,26
